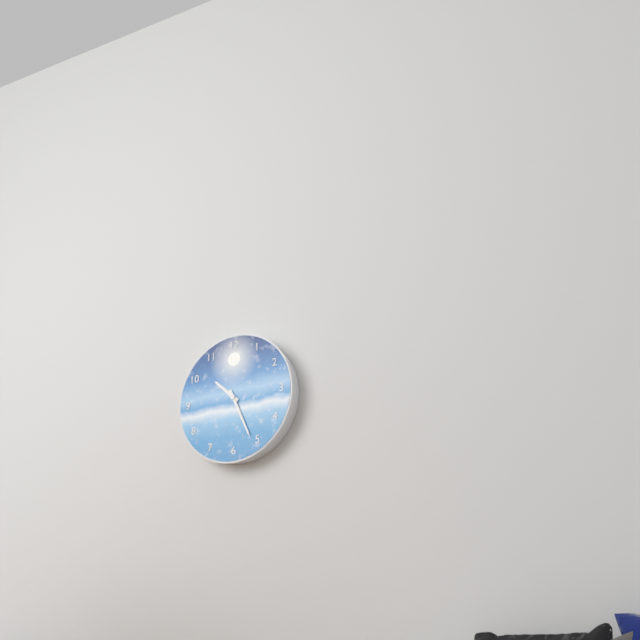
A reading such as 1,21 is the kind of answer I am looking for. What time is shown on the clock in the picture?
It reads 10,26
